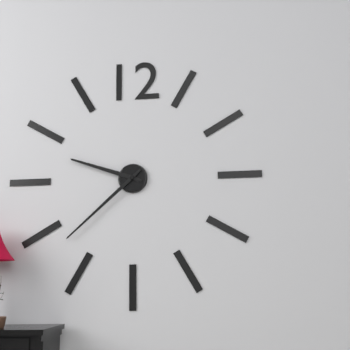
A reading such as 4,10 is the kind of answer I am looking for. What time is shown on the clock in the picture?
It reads 9,38
